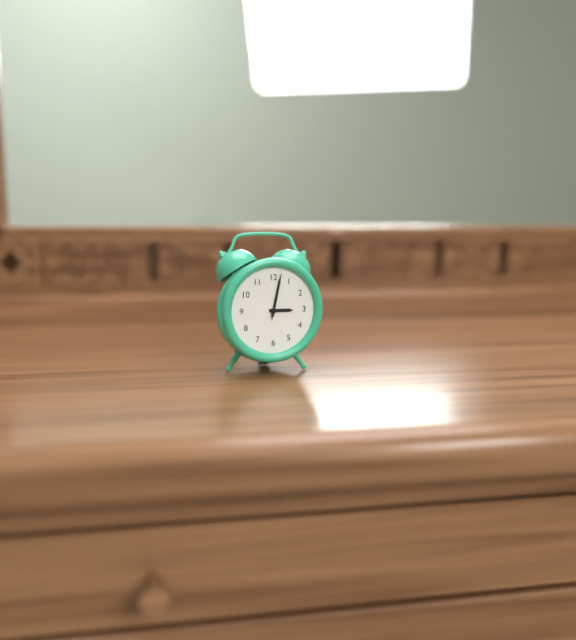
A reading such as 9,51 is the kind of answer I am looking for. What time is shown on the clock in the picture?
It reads 3,02
